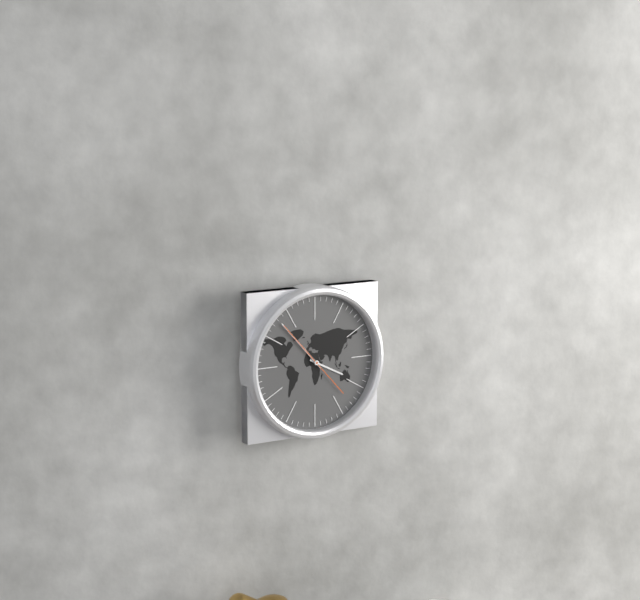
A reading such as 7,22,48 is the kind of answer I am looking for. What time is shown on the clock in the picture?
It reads 3,53,53
